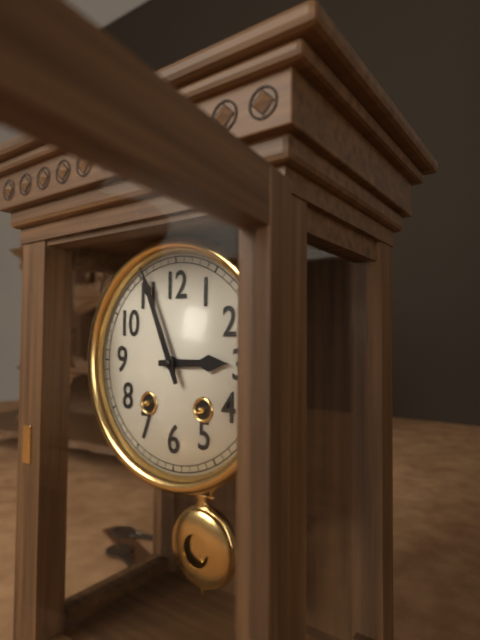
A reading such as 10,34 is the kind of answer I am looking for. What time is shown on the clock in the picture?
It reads 2,56
